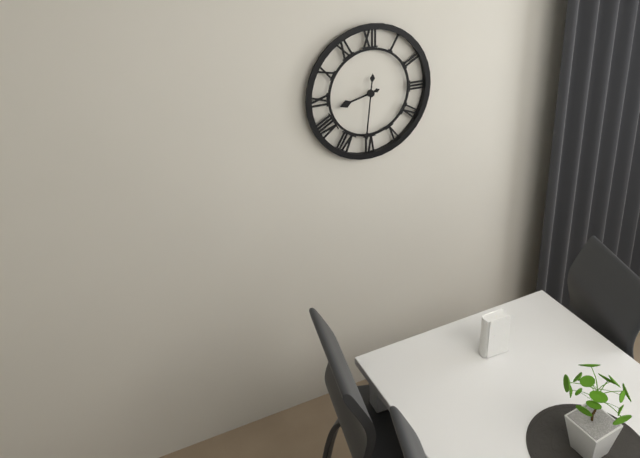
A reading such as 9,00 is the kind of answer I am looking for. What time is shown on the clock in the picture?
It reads 8,31
